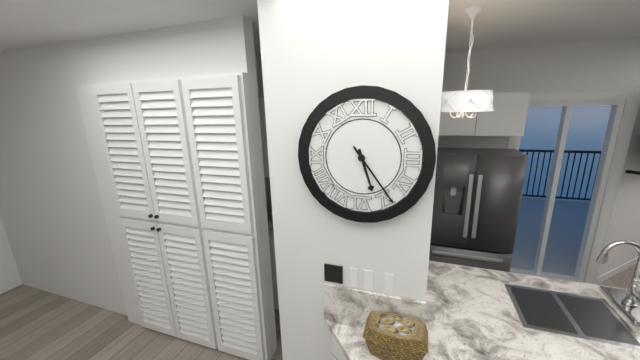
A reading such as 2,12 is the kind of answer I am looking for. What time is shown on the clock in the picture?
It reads 5,24
